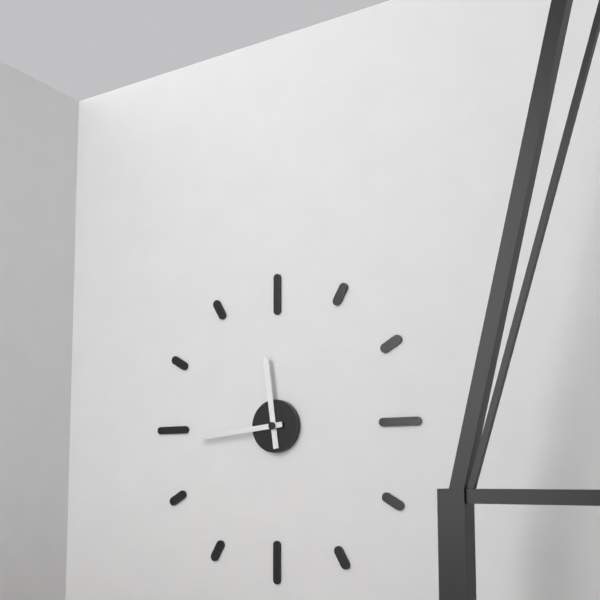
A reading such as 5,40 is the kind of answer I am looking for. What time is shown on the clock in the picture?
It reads 11,44
